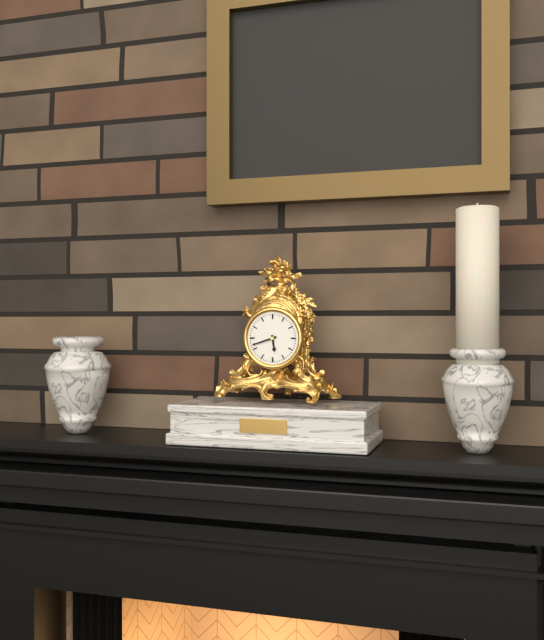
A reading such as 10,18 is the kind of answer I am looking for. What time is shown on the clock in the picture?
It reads 5,42
